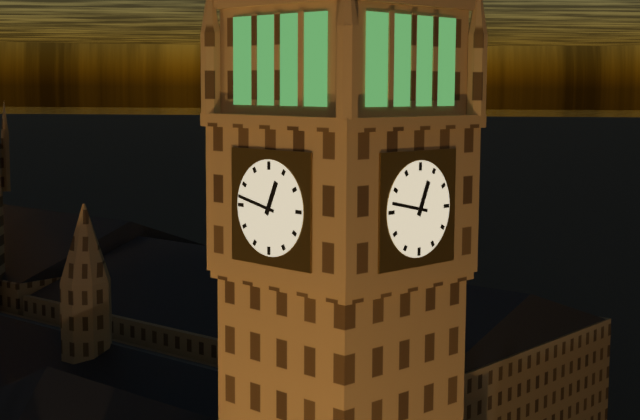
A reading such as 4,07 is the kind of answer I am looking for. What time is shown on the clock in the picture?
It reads 12,47
